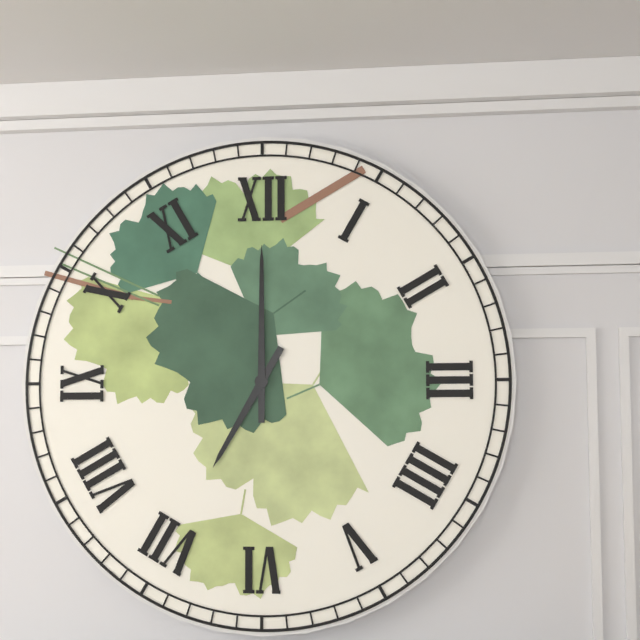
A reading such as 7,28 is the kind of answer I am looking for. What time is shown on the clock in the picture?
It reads 7,00
